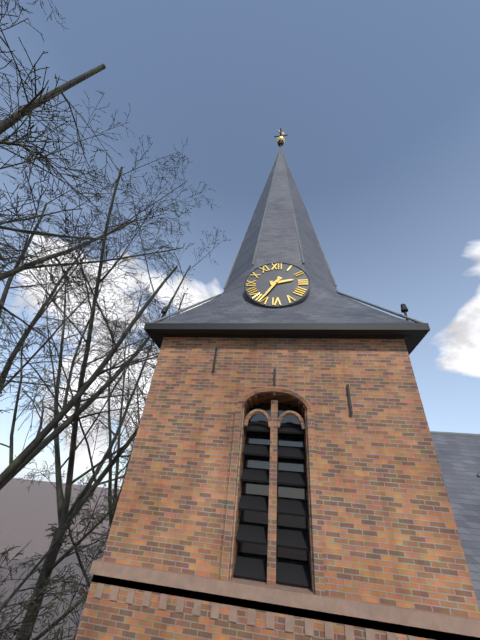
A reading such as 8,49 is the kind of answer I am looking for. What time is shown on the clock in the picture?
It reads 2,35
